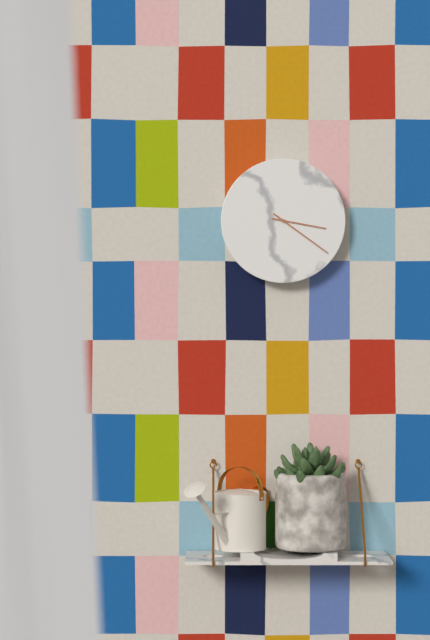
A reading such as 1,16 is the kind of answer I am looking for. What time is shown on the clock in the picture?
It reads 3,21
